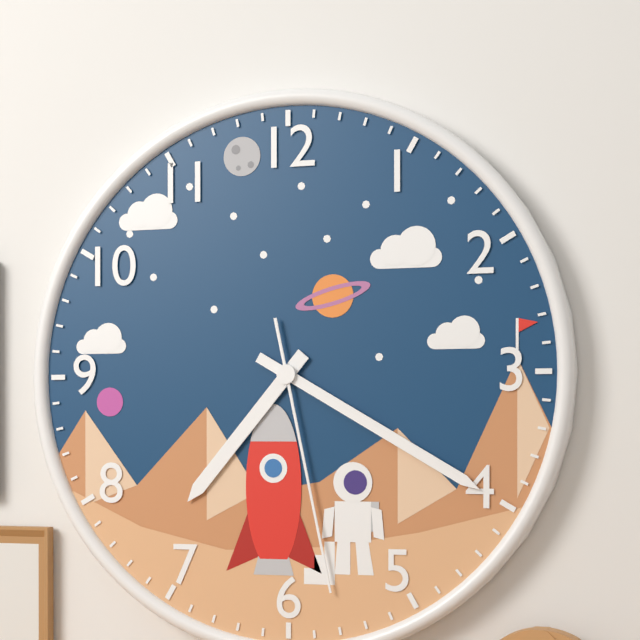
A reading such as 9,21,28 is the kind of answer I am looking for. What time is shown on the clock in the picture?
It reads 7,20,28
